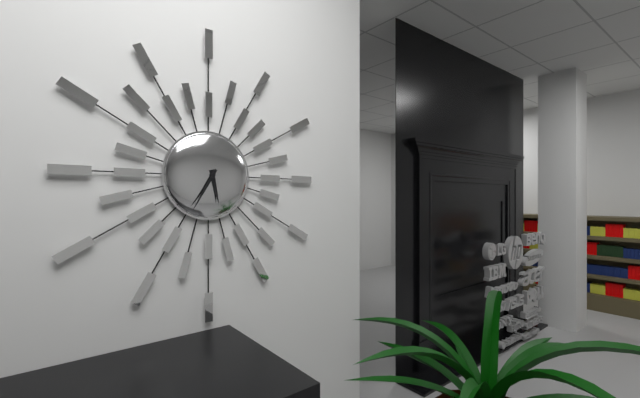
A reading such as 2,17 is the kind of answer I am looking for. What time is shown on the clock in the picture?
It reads 5,35
